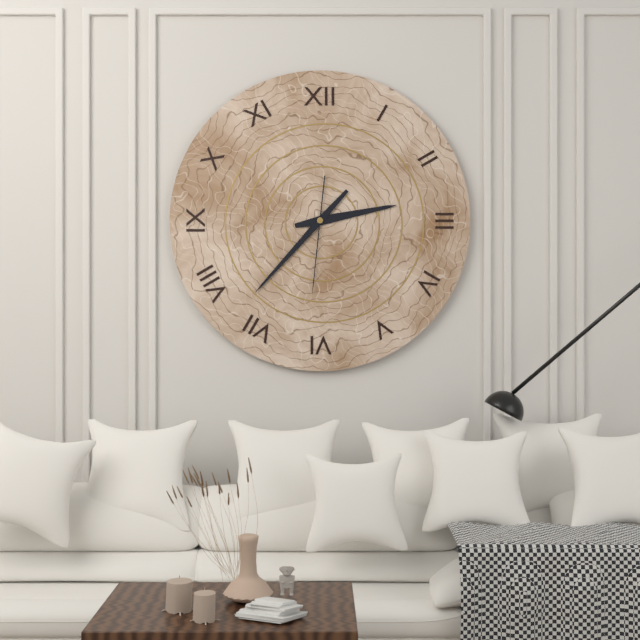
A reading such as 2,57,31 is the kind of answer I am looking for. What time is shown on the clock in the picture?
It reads 2,37,31
